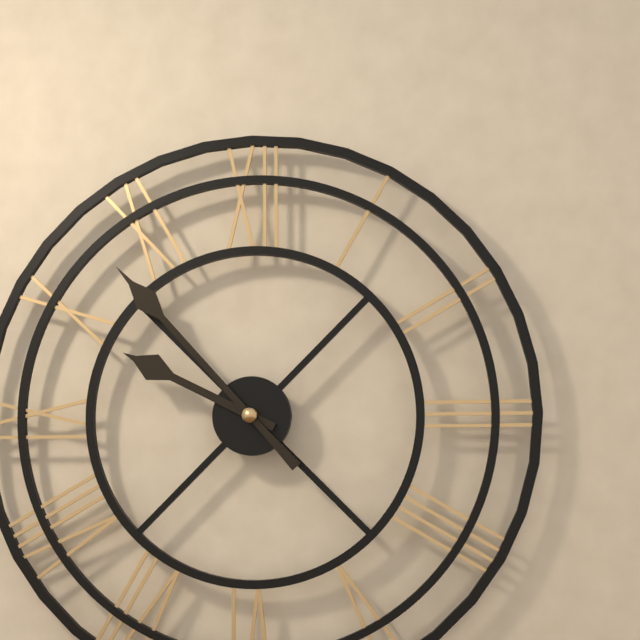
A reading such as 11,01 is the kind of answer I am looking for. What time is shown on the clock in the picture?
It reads 9,53
